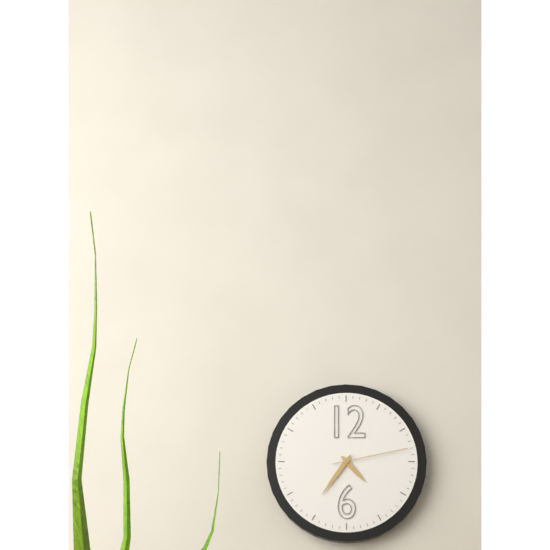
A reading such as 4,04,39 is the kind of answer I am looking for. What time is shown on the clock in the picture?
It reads 4,36,13
